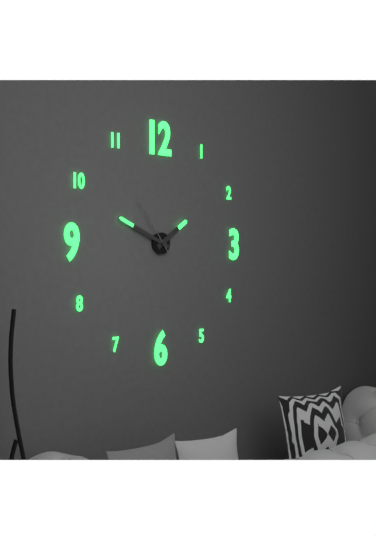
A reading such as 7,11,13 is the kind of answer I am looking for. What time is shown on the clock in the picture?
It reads 1,49,54
